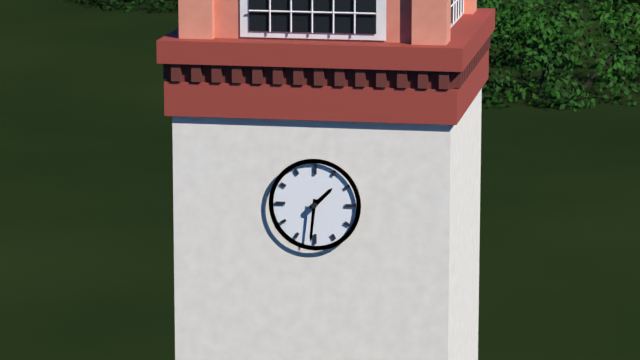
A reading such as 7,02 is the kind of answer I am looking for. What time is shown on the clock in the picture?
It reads 1,31
